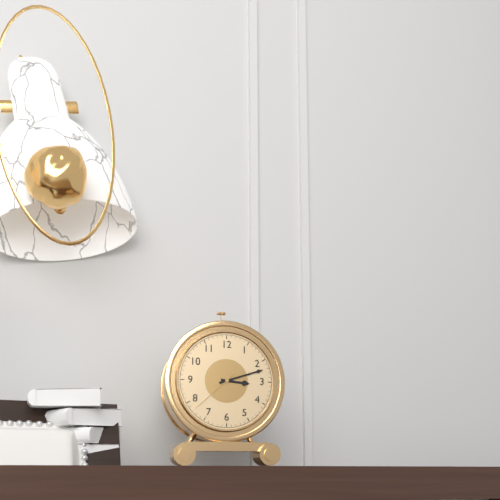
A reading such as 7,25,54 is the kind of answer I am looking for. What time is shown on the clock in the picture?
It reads 3,12,38
